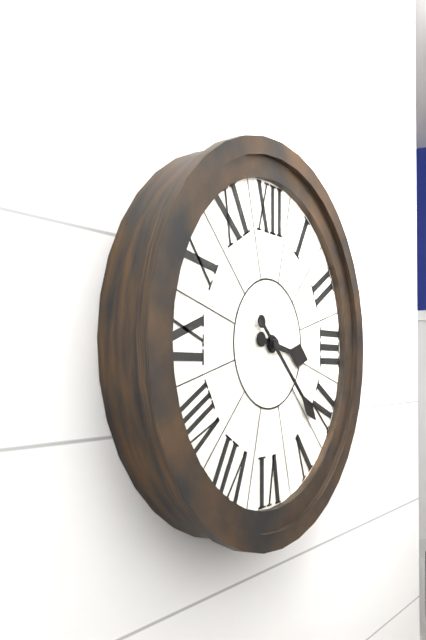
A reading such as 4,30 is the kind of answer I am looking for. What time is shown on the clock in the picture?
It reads 3,22
